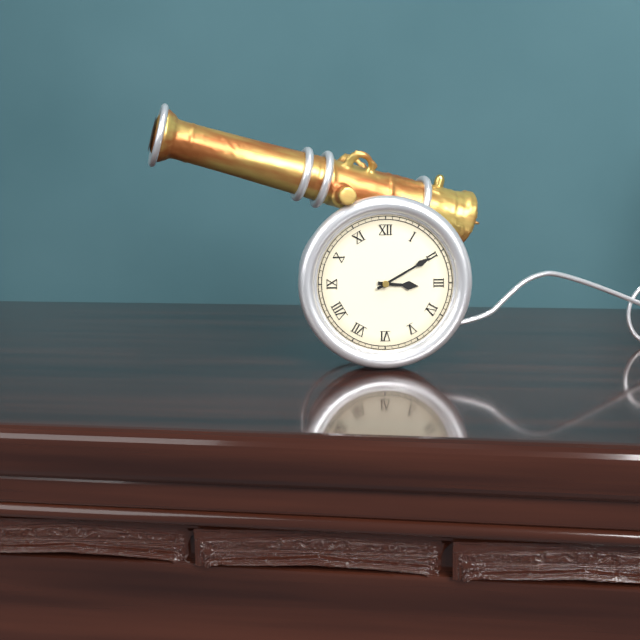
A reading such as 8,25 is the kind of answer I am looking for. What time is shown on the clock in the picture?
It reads 3,10
